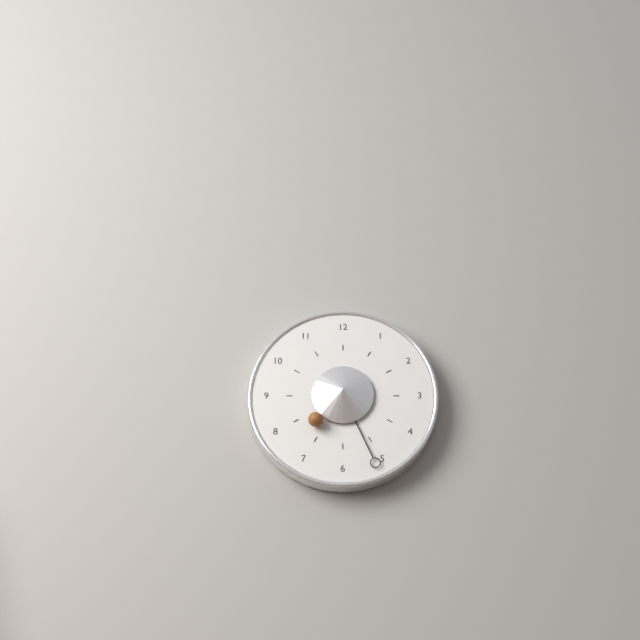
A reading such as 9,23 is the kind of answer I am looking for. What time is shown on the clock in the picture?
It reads 7,26
